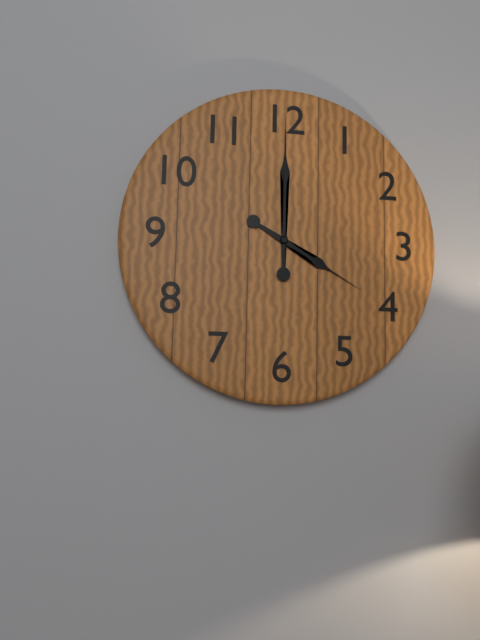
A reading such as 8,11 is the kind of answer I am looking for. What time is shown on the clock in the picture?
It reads 4,00
